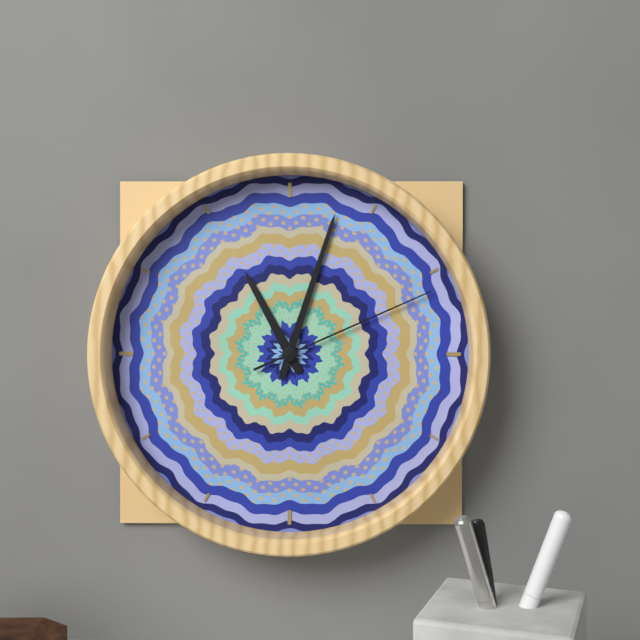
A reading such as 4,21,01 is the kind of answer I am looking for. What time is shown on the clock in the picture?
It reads 11,03,11
